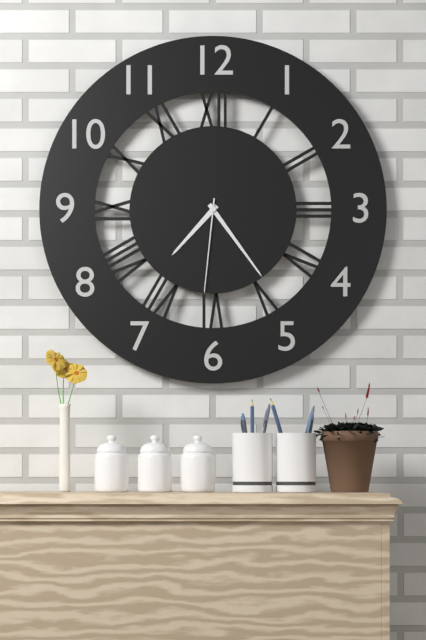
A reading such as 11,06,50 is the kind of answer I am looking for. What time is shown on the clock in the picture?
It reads 7,24,31
